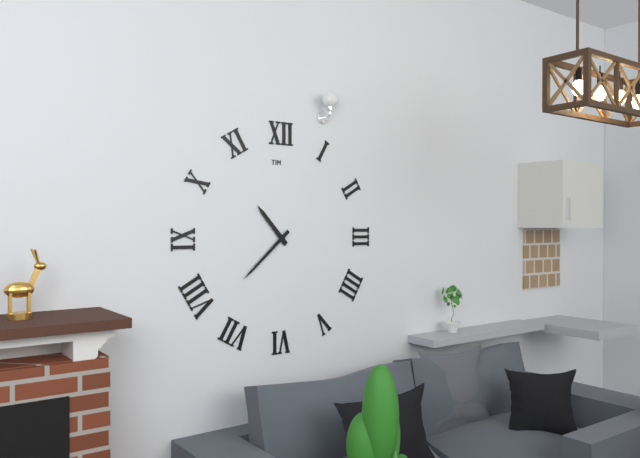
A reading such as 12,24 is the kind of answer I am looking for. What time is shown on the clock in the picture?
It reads 10,38
